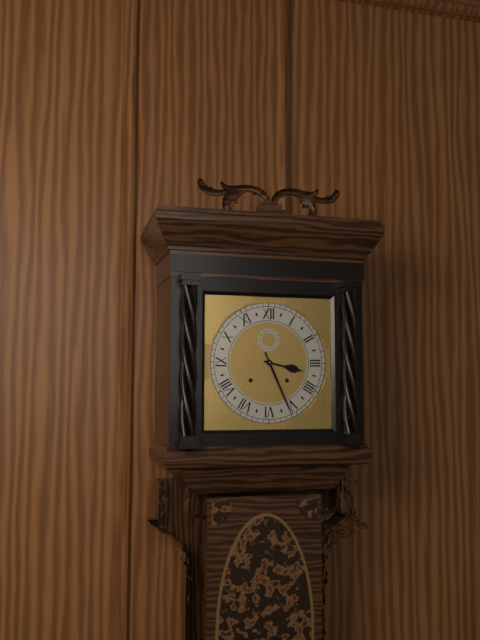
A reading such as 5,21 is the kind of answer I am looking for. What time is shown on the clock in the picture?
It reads 3,26
